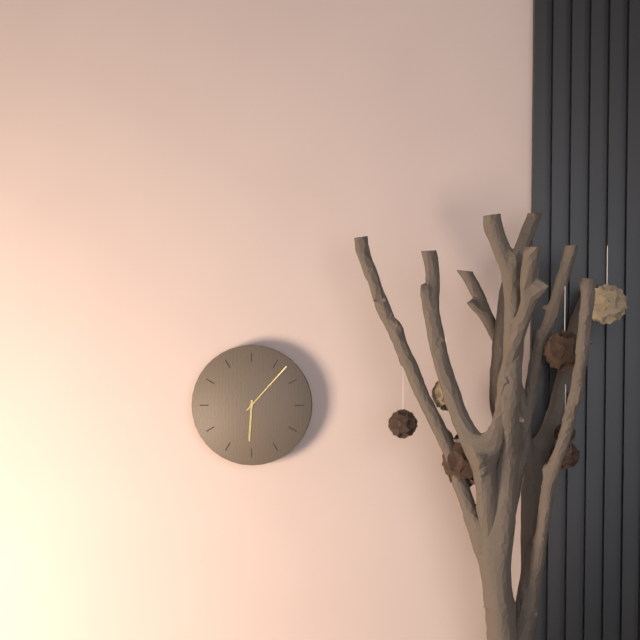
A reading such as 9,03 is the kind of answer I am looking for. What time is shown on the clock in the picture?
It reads 6,07
